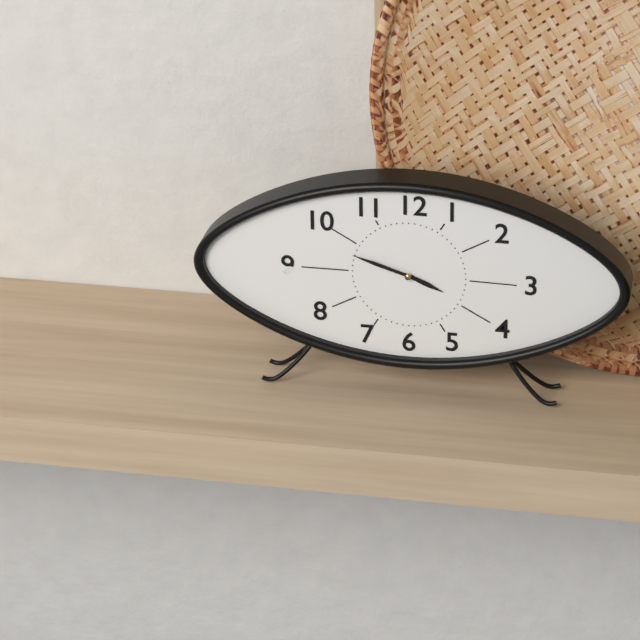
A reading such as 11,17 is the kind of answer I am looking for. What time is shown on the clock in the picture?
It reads 3,48
